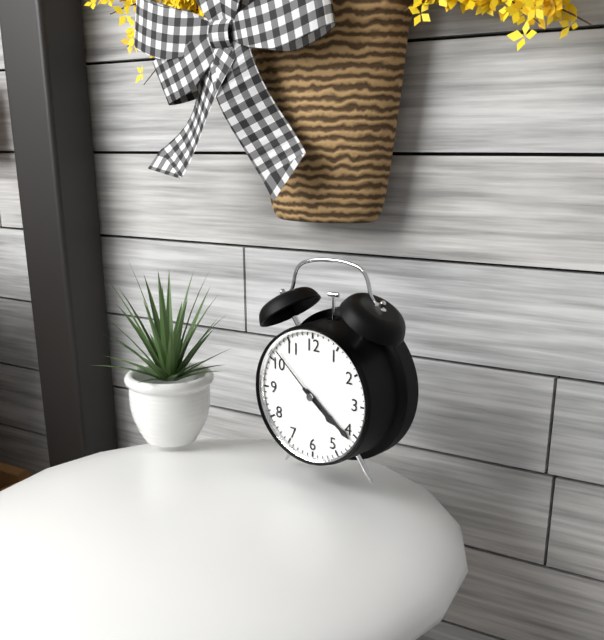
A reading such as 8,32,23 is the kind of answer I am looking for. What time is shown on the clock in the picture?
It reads 4,21,52
